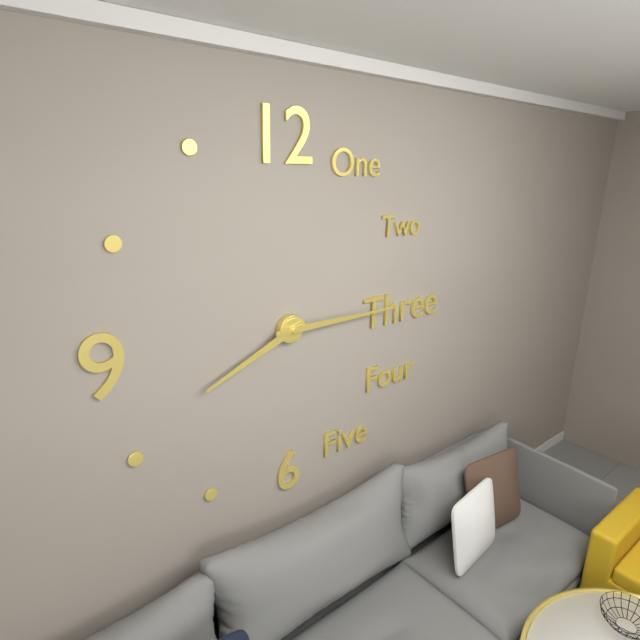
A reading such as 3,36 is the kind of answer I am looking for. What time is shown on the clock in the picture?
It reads 8,15
